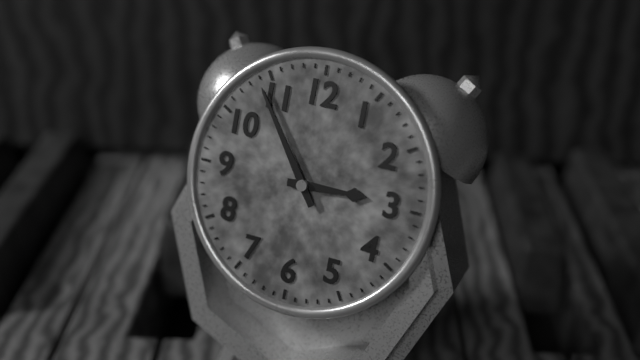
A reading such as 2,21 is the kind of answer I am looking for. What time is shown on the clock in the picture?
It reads 2,54
